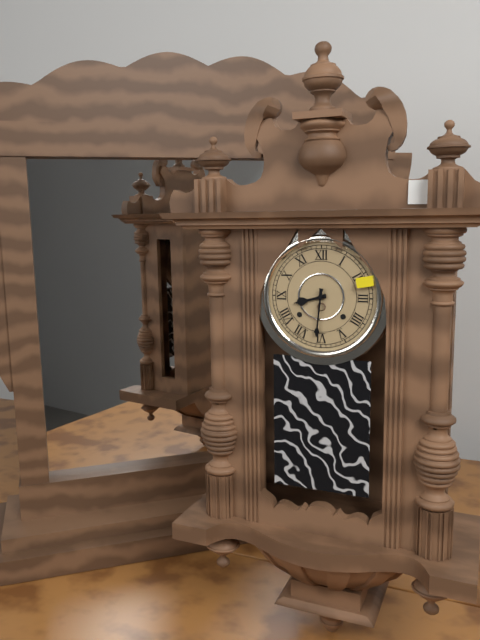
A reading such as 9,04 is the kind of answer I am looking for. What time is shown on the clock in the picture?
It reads 8,31
